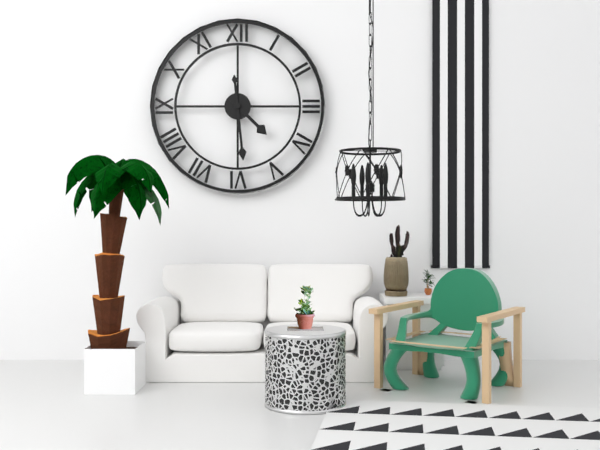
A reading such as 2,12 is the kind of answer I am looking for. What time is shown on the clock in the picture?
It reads 4,29
